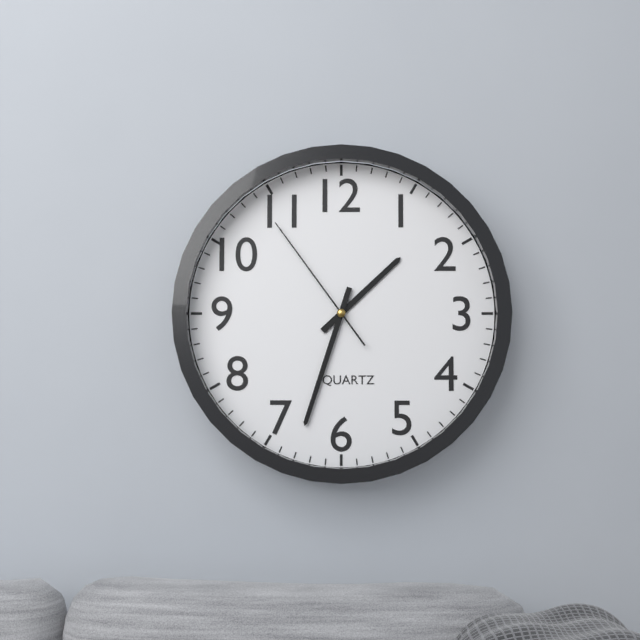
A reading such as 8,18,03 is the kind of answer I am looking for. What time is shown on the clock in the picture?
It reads 1,33,54
